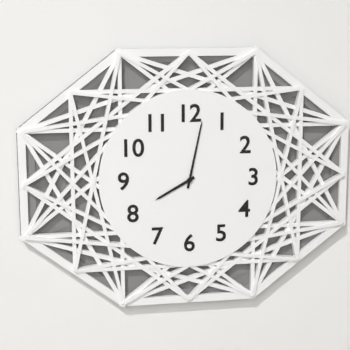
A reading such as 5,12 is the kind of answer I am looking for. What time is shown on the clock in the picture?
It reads 8,02
